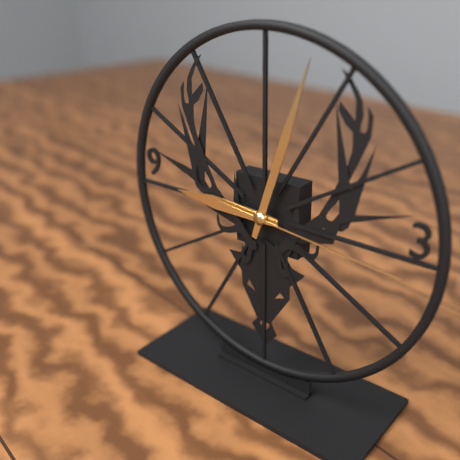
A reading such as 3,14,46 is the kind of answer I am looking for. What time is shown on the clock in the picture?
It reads 9,03,16
